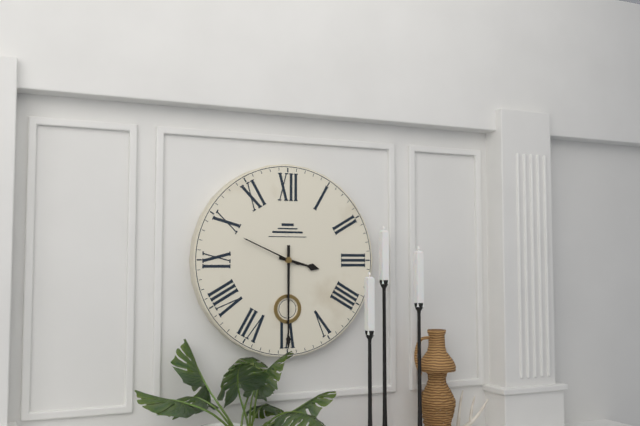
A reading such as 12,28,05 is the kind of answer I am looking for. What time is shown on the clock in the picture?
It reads 3,30,49
